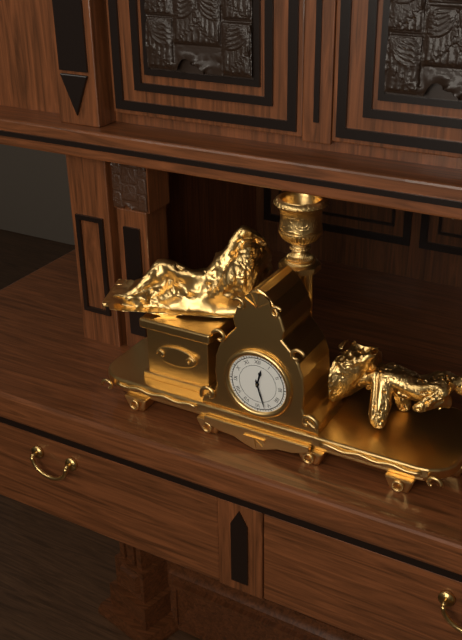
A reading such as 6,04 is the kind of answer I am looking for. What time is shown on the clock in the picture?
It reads 12,27
